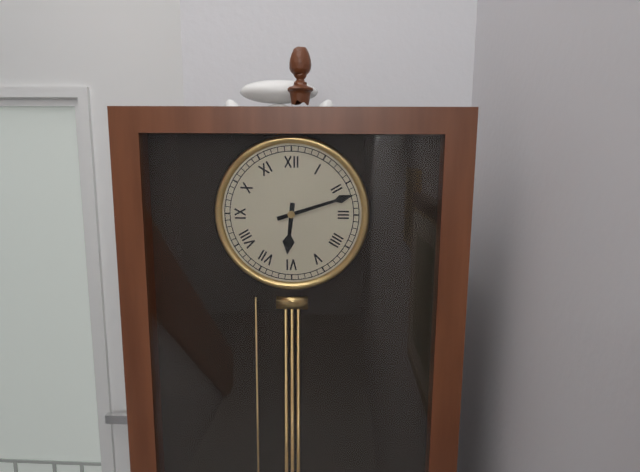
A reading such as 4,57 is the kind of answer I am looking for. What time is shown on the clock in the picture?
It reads 6,12
